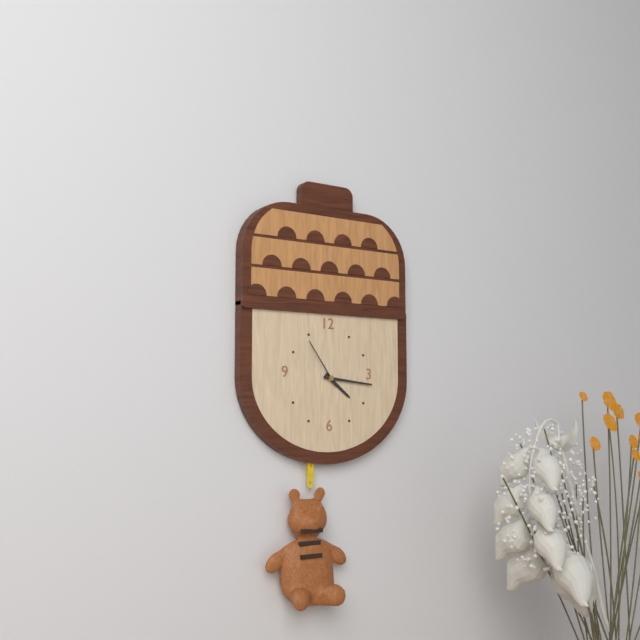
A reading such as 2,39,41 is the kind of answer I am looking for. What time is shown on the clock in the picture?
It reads 4,16,54
